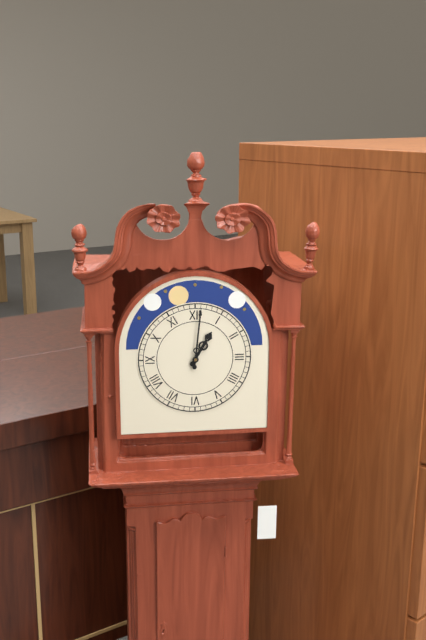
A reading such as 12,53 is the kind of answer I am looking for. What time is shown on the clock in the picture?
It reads 1,01
